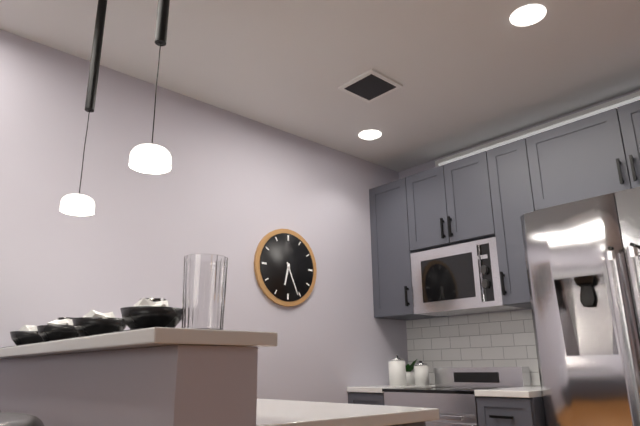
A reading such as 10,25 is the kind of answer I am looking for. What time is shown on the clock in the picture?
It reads 6,26
